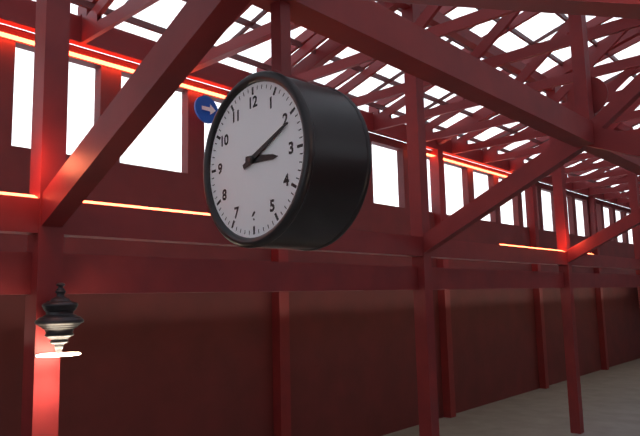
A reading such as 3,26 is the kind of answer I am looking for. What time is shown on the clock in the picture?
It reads 3,11
